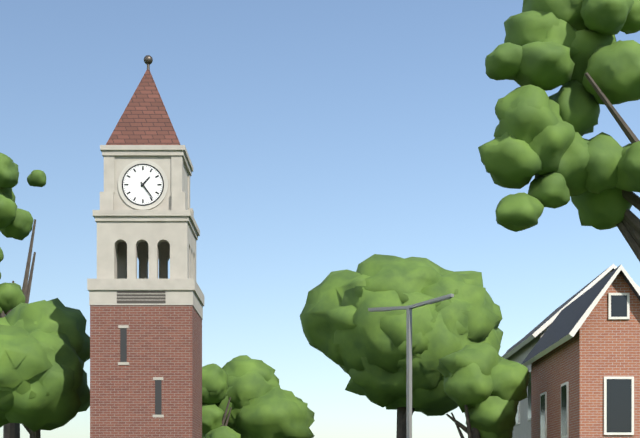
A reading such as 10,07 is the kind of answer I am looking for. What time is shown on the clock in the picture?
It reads 1,24
